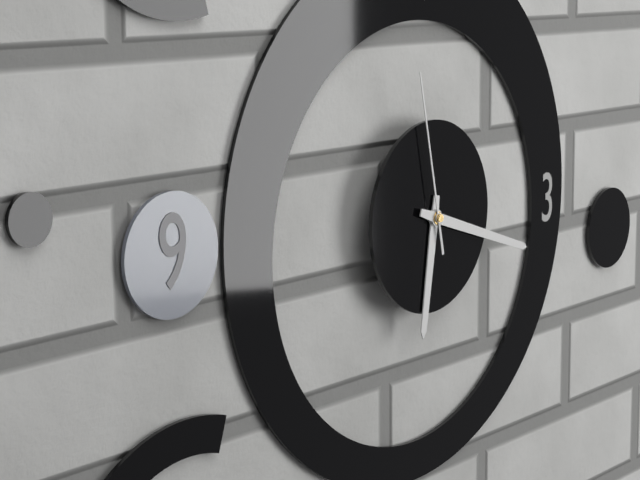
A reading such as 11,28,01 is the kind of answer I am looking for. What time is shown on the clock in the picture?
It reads 6,18,58
